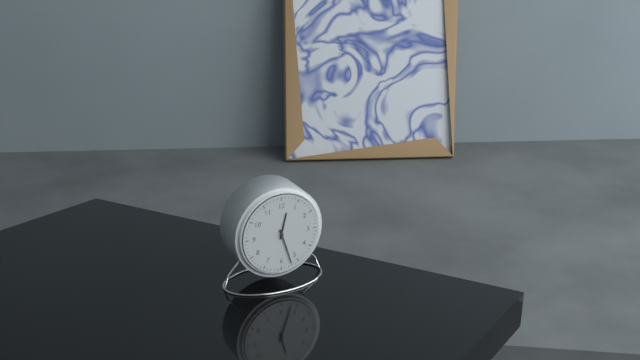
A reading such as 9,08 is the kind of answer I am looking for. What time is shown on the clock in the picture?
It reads 12,27
